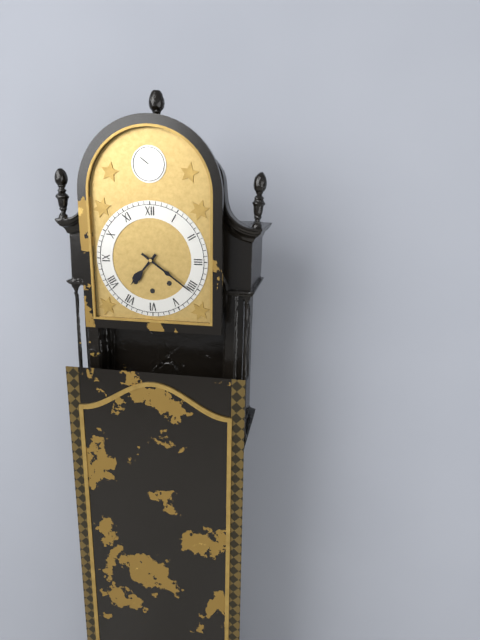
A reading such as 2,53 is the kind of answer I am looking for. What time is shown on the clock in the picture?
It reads 7,21
